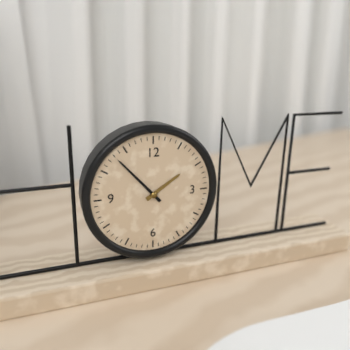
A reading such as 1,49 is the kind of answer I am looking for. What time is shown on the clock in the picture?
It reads 1,53
